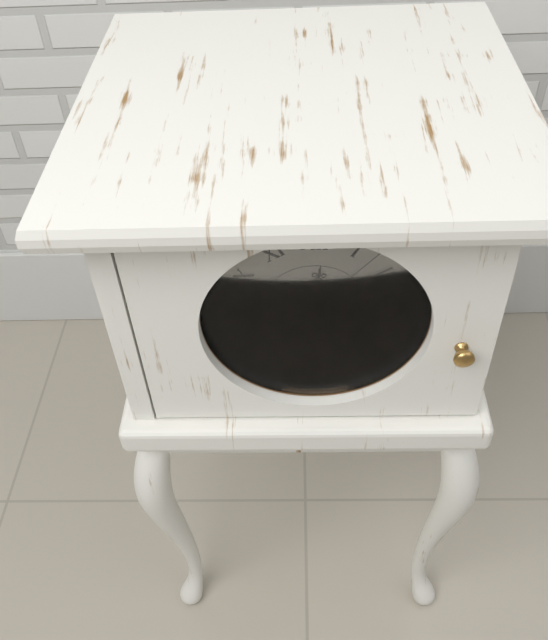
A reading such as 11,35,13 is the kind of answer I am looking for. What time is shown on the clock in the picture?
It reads 12,13,07
